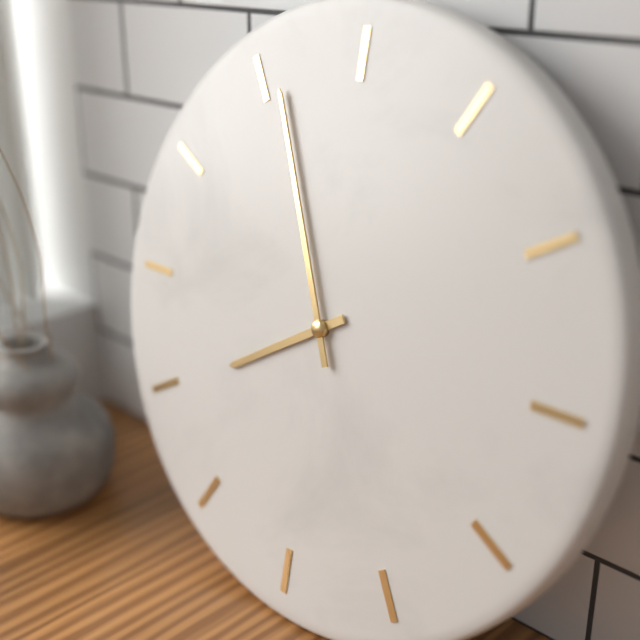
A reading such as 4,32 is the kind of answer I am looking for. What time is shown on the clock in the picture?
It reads 7,56
